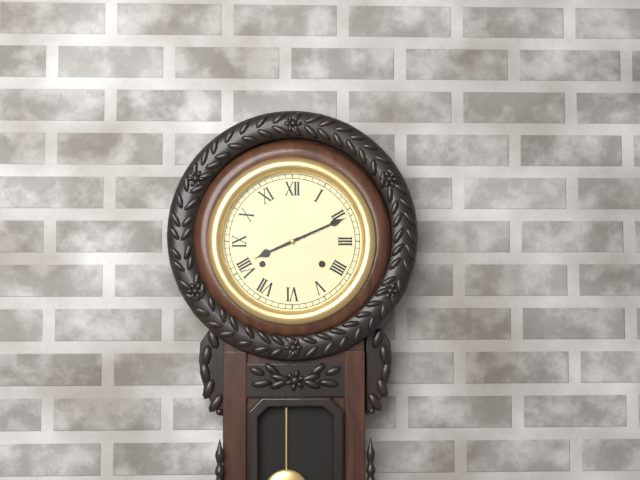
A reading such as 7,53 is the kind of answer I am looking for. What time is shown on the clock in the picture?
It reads 8,11
